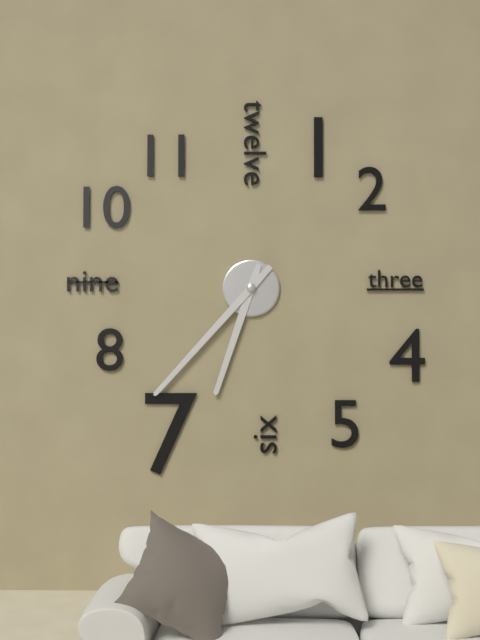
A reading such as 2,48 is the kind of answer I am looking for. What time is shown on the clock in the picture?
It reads 6,37
